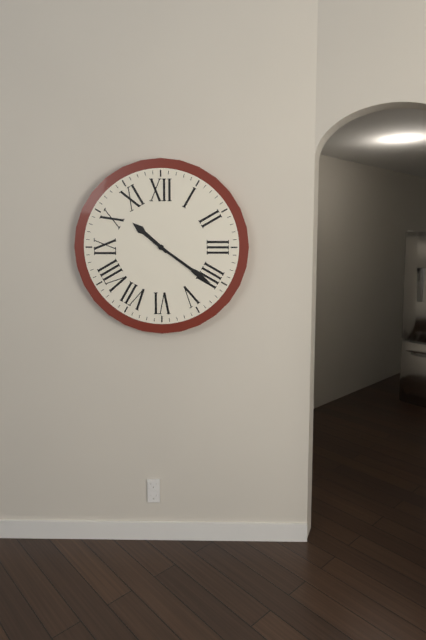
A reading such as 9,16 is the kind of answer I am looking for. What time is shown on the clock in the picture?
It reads 10,21
